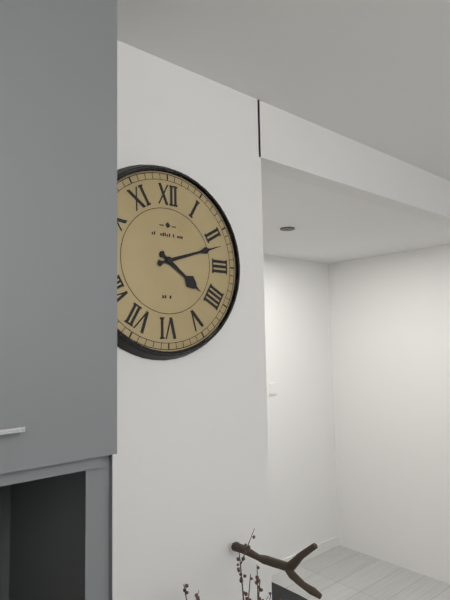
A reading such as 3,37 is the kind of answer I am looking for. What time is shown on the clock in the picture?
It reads 4,12
